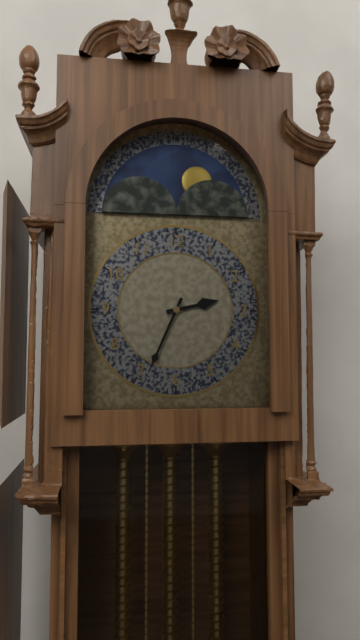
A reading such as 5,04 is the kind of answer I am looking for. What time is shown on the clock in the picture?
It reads 2,34
